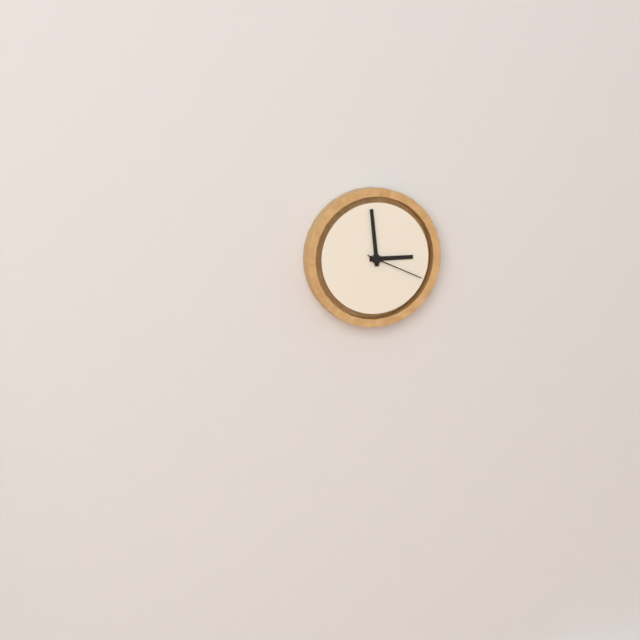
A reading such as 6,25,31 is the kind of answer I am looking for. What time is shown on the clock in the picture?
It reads 2,59,19
